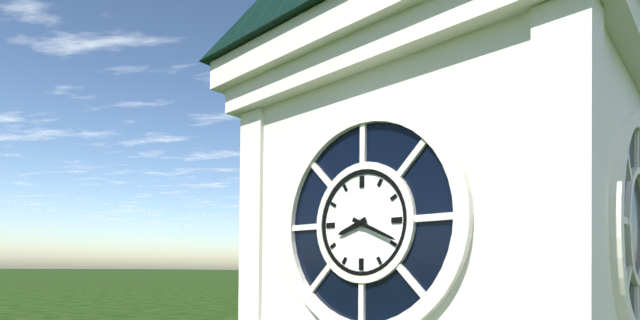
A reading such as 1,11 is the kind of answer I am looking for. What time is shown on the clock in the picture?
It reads 8,19
